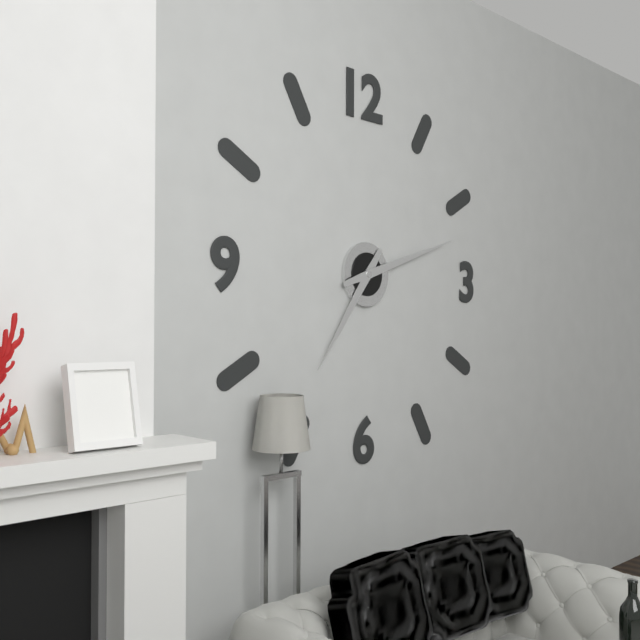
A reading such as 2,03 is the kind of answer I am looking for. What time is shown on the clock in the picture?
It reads 7,12
